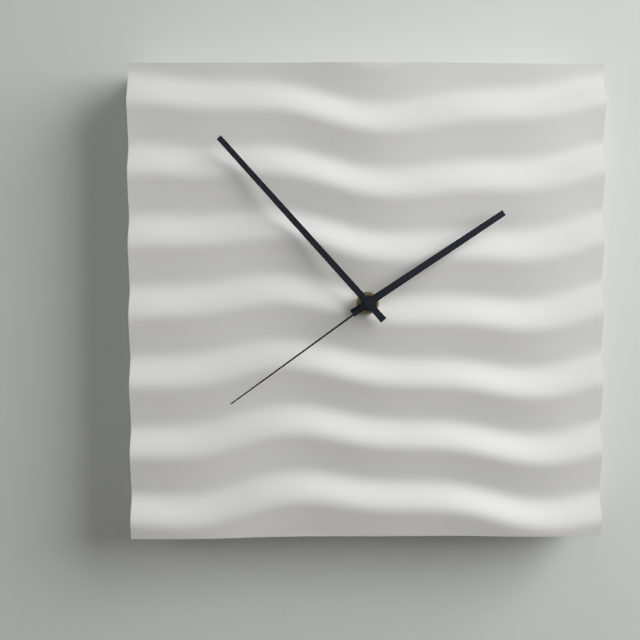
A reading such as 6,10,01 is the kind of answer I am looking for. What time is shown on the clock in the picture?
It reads 1,53,39
